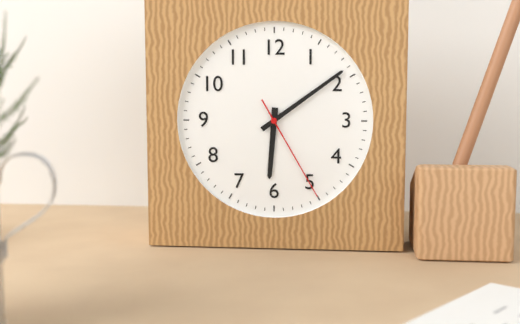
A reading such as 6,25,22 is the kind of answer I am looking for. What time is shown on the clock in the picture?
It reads 6,09,25
